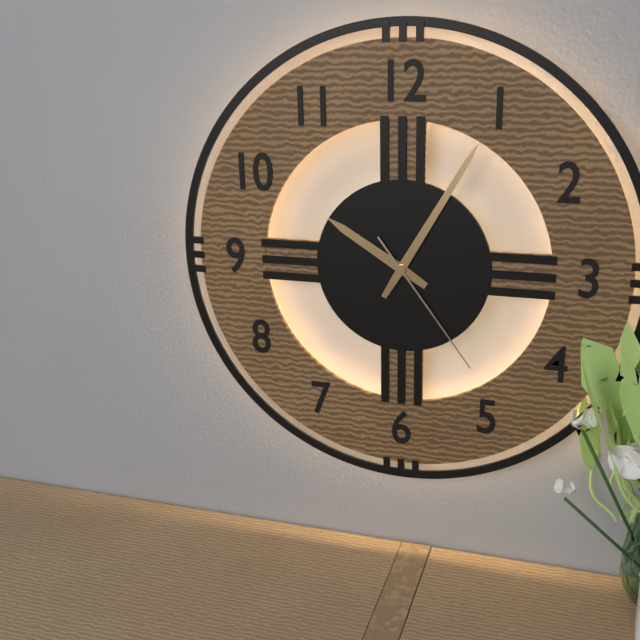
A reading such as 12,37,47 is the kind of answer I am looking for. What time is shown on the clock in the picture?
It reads 10,05,24
